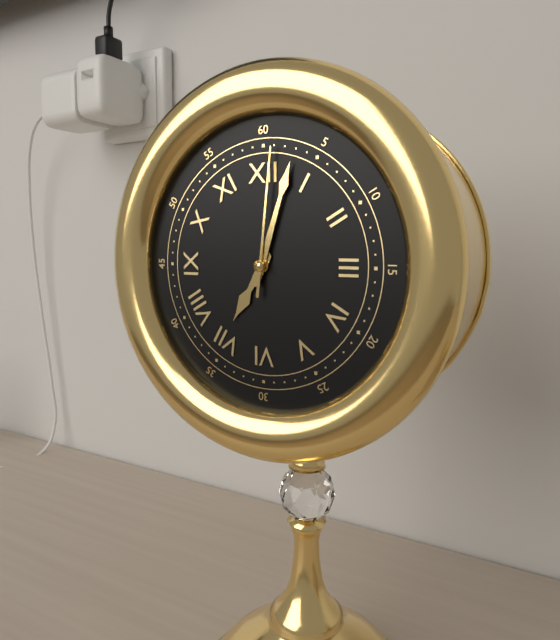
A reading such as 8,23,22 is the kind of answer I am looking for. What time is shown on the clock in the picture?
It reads 7,03,01
